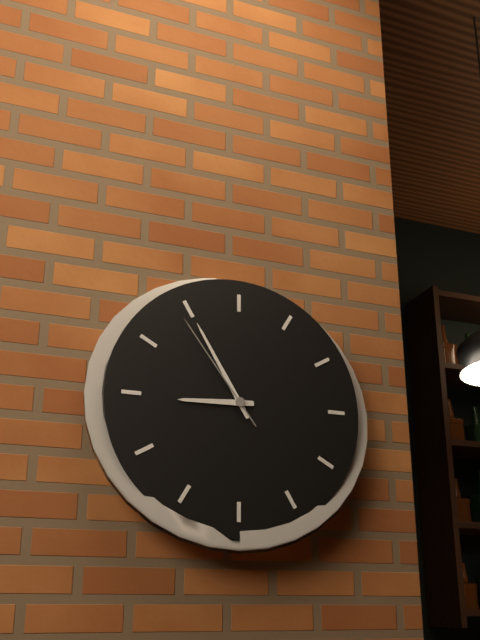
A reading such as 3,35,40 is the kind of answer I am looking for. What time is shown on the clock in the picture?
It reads 8,55,54
